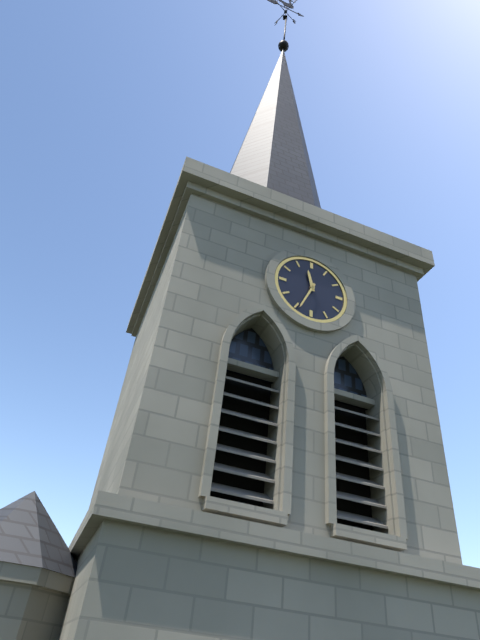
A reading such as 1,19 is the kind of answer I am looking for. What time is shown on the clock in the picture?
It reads 11,34
